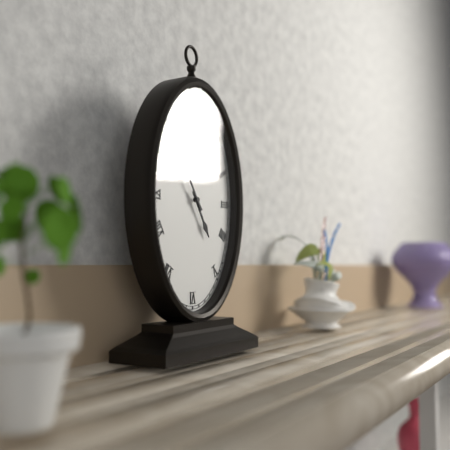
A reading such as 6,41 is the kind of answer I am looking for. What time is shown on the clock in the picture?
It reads 4,54
